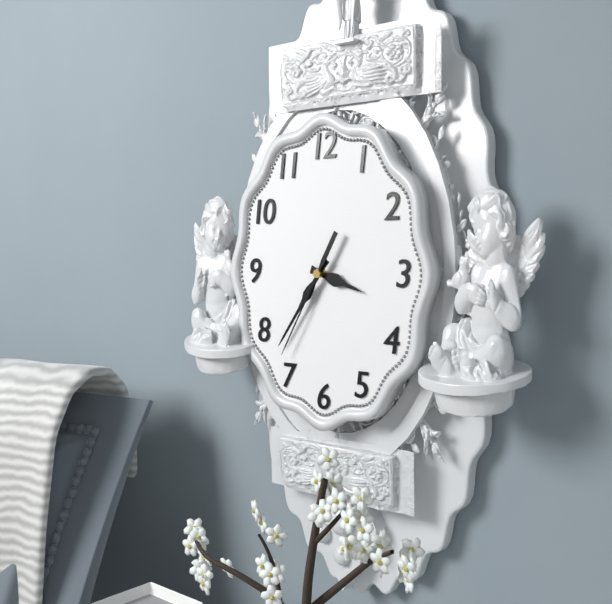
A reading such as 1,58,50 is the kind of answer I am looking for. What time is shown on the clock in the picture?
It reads 3,36,35
